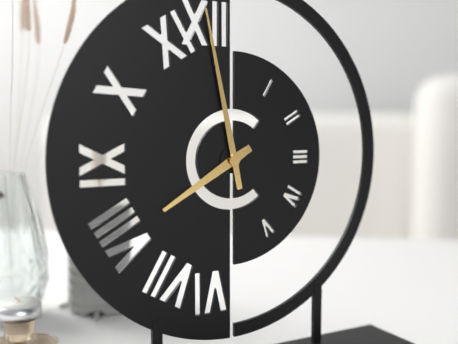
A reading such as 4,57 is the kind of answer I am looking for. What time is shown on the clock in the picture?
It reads 7,58
